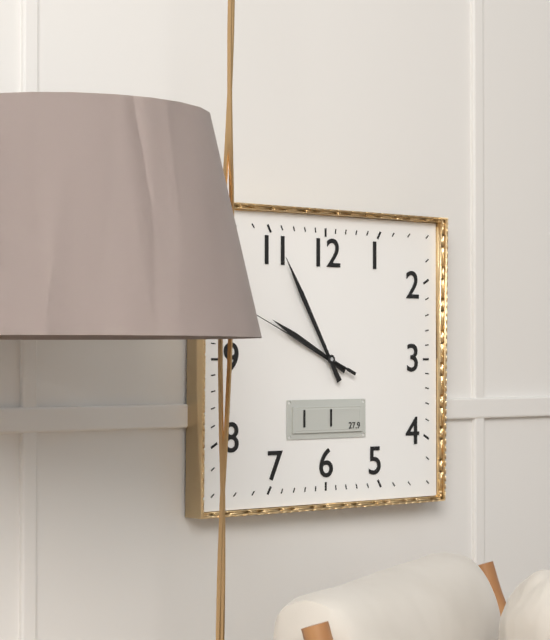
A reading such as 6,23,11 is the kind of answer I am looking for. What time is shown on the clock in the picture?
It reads 9,55,49
